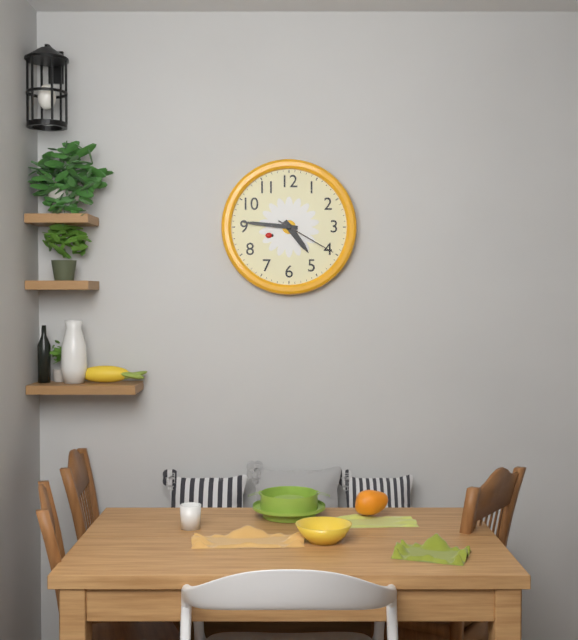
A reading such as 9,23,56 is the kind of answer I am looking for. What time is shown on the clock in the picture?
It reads 4,46,20
